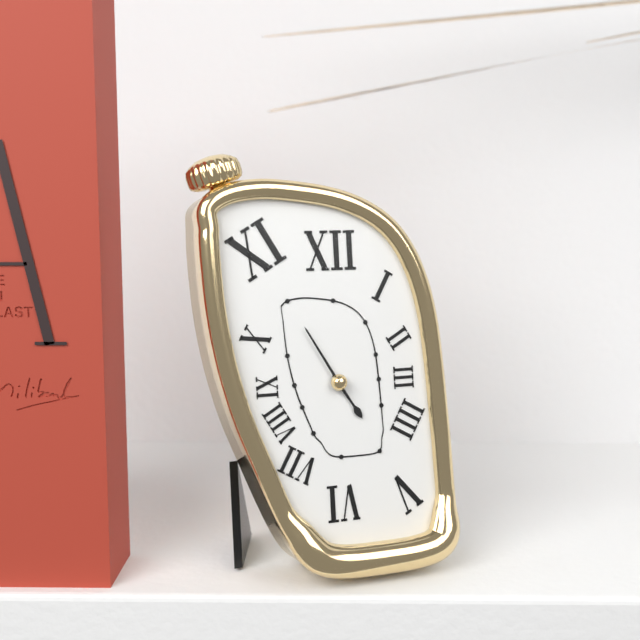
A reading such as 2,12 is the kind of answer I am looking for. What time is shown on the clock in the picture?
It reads 4,55
